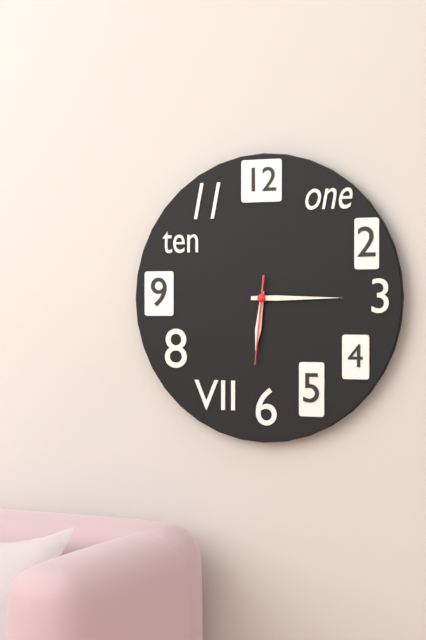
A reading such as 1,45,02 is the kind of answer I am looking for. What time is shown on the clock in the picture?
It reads 6,15,31
